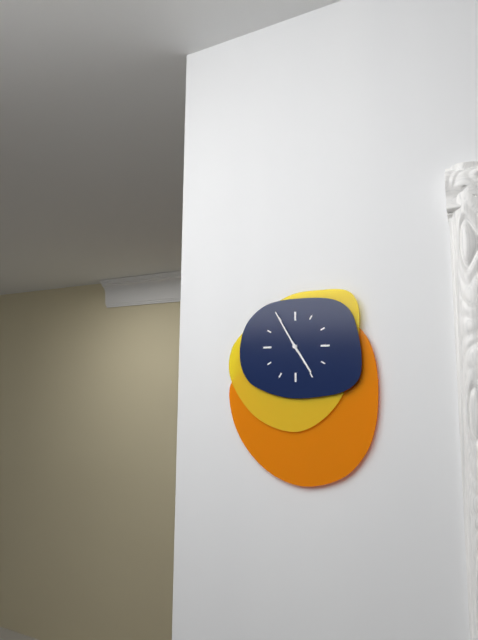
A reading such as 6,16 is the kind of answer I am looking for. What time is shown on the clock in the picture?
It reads 4,55
